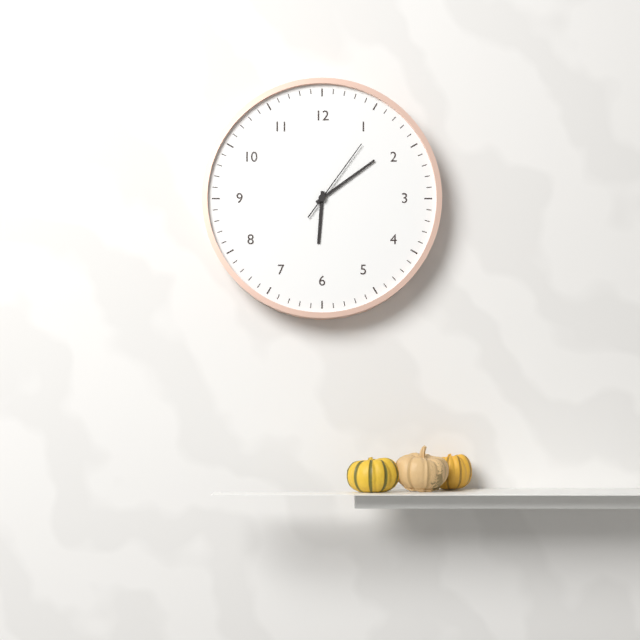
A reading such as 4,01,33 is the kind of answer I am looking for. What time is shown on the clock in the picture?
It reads 6,09,06
